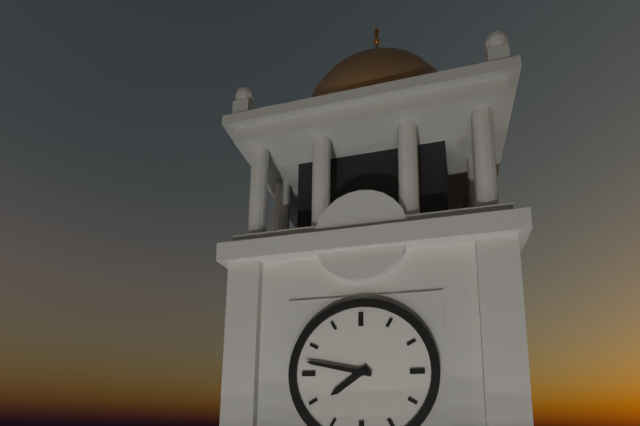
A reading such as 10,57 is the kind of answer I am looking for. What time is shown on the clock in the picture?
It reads 7,47
